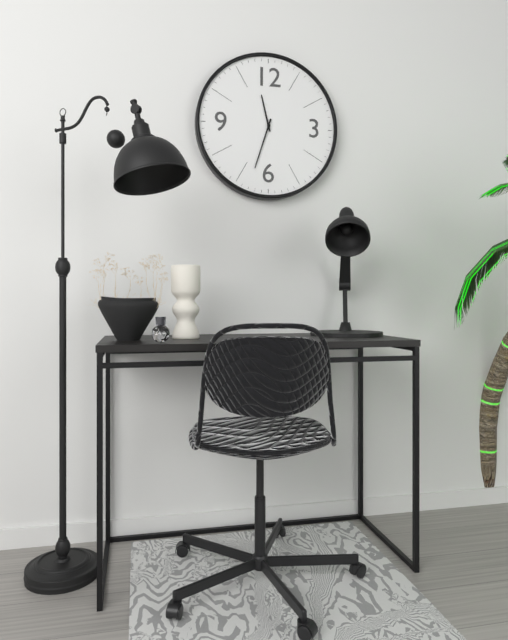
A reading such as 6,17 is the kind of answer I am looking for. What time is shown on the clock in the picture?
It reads 11,33
